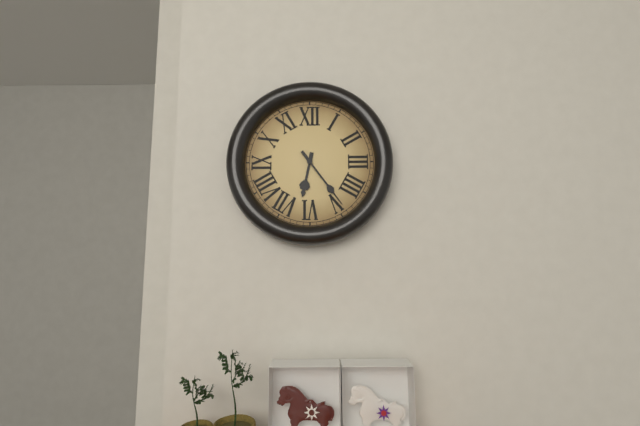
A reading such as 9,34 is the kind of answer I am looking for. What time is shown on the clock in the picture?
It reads 6,24
